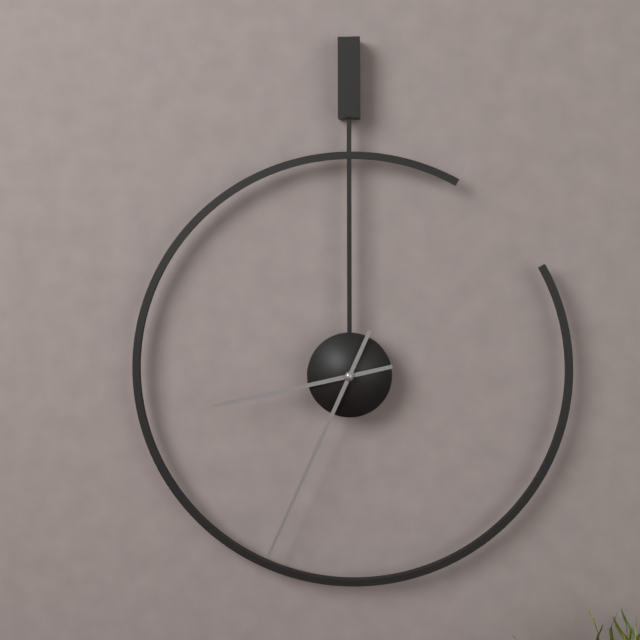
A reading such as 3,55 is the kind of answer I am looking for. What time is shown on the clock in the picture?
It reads 8,34
